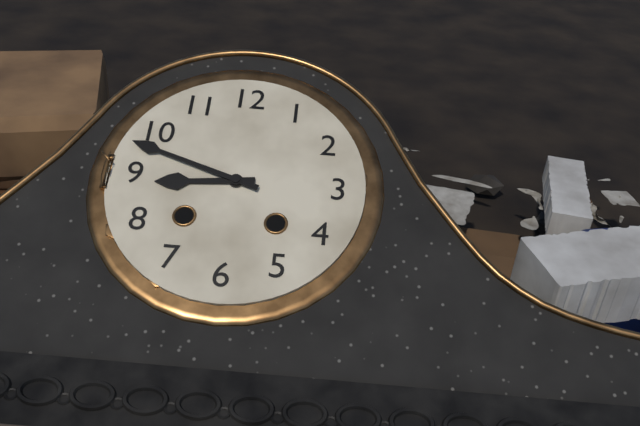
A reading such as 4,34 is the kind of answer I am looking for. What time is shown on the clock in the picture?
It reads 8,48
